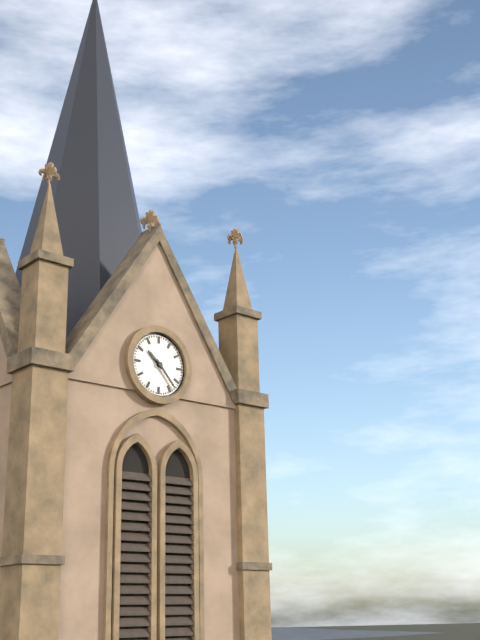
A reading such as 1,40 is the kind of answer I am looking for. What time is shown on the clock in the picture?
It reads 10,23
